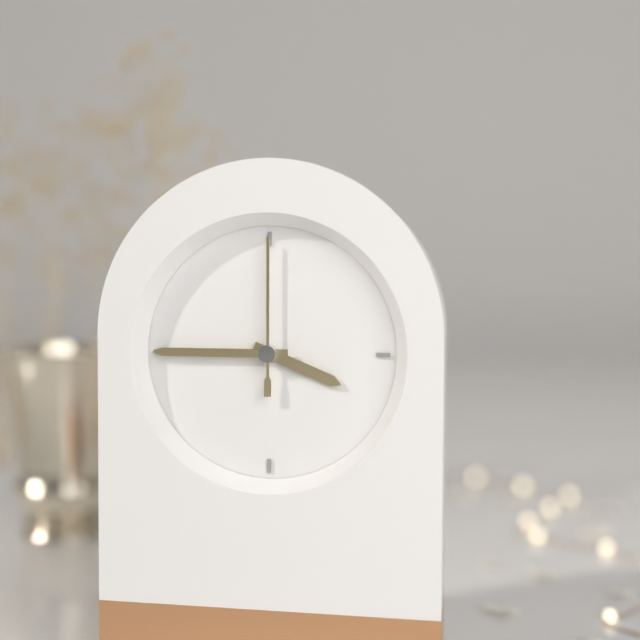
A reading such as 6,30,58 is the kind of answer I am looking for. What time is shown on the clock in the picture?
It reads 3,45,00
